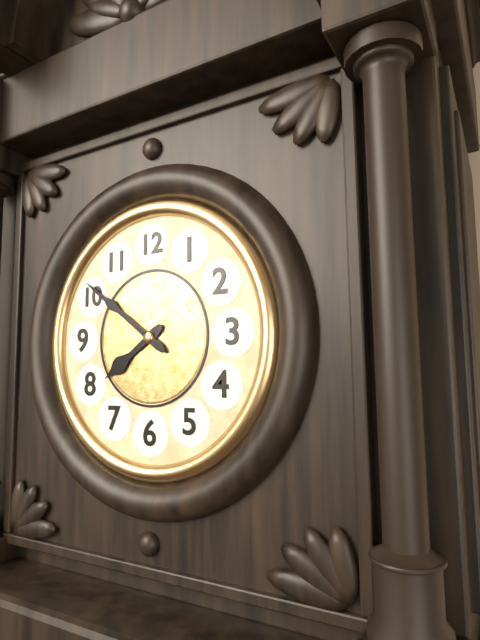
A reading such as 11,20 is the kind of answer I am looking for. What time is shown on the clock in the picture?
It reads 7,51
